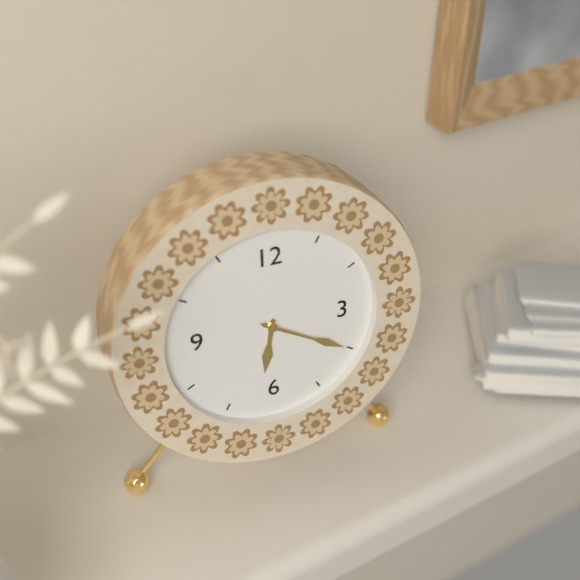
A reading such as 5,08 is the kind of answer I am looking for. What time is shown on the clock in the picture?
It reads 6,20
